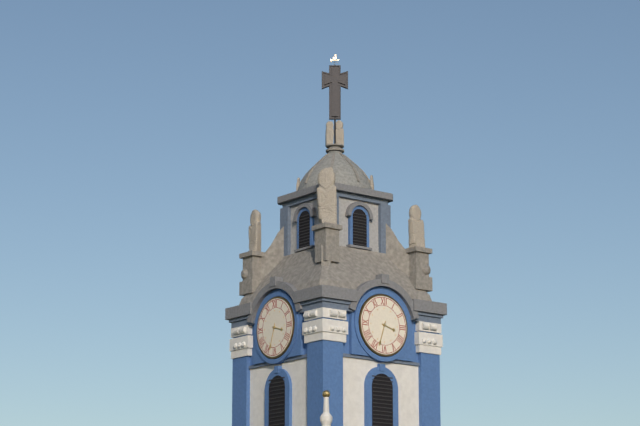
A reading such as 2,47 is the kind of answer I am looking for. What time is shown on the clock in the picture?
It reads 3,33
